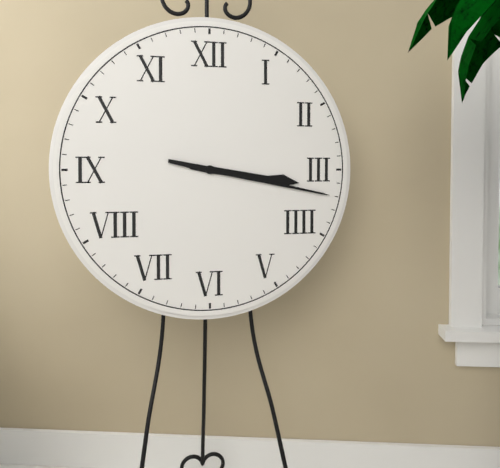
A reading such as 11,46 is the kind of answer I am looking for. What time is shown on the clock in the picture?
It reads 3,17
